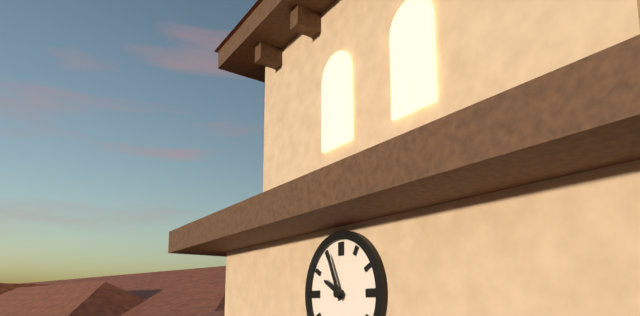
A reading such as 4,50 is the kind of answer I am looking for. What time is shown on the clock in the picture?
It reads 9,56
